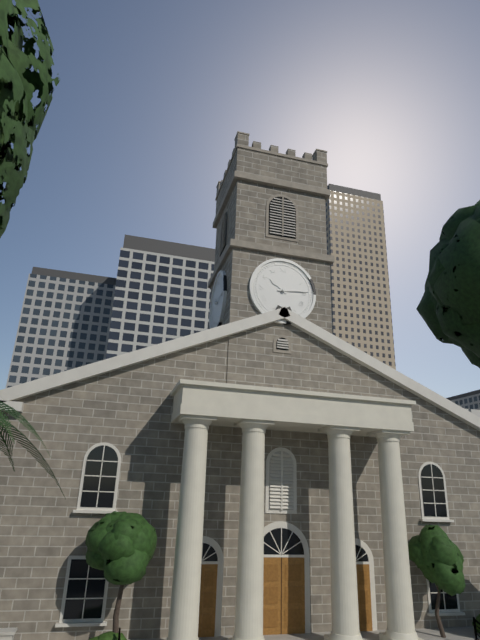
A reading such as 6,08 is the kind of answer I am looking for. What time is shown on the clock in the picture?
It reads 10,14
